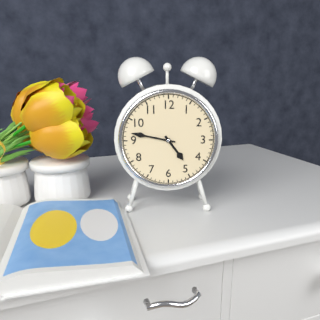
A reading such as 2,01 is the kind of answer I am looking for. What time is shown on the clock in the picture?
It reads 4,47
